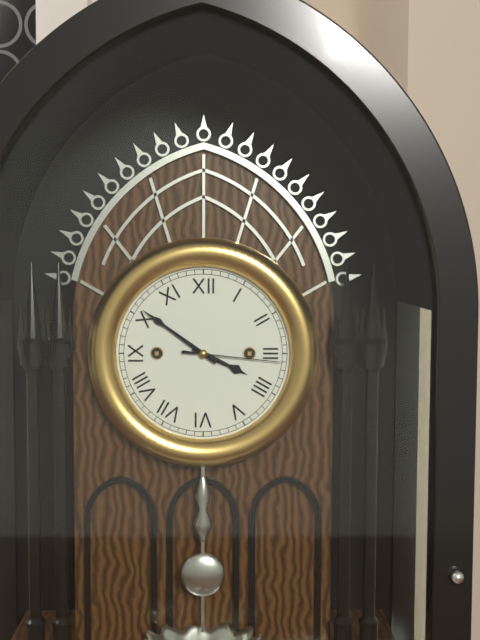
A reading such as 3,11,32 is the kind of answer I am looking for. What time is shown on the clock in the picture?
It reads 3,51,16
